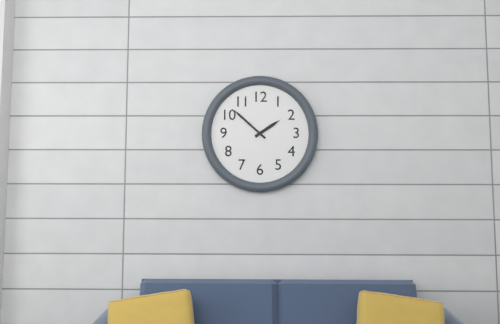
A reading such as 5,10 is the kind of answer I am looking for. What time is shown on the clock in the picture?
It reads 1,52
